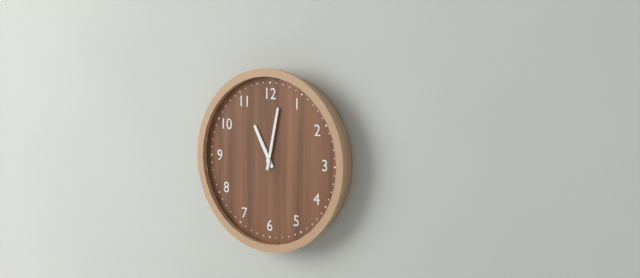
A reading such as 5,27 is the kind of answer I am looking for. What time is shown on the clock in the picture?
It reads 11,02
